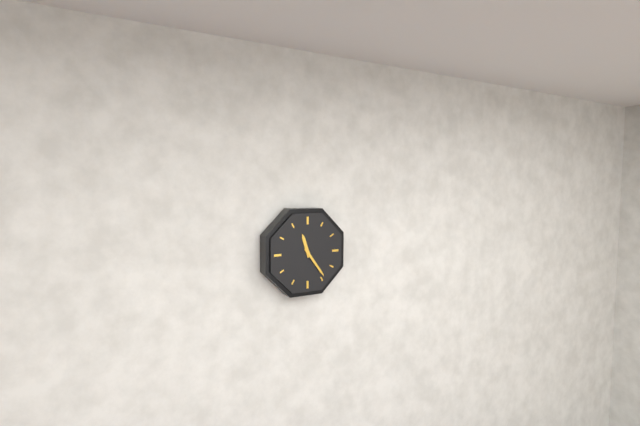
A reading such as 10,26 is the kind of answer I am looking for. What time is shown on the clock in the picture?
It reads 11,24
